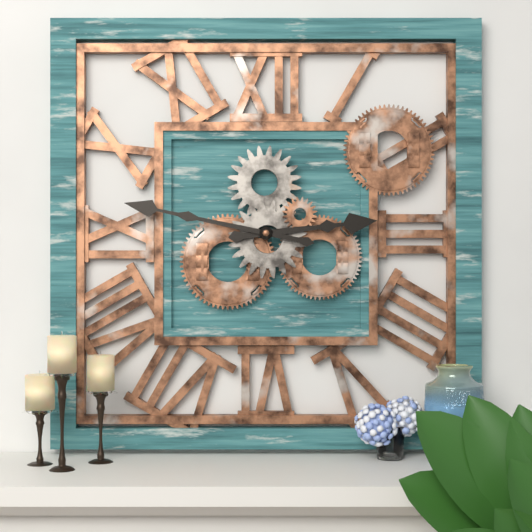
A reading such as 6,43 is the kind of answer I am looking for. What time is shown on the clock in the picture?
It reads 2,47
